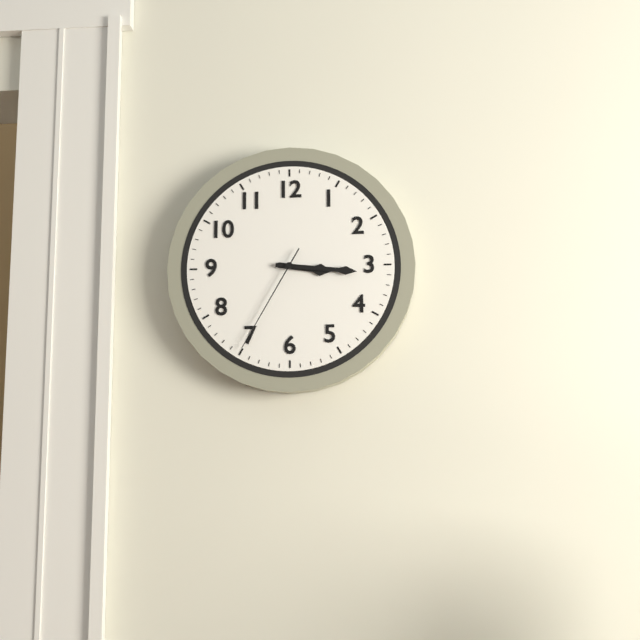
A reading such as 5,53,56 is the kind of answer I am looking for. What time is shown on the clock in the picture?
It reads 3,16,35
